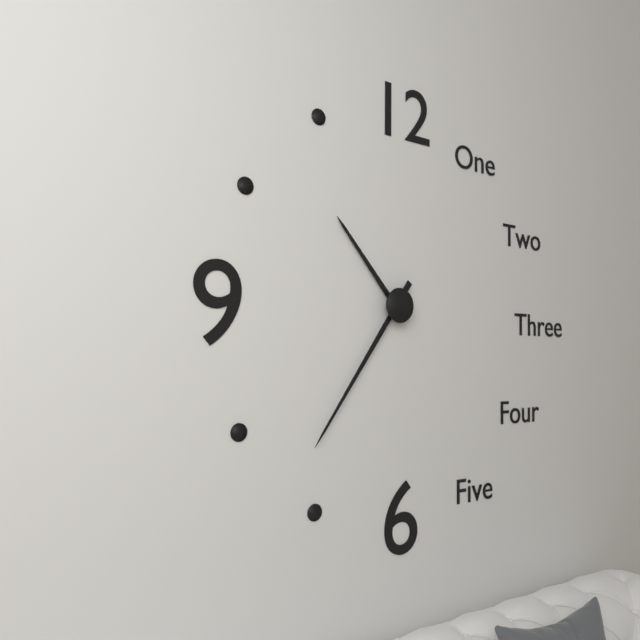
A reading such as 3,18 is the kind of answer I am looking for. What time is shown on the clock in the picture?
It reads 10,36
